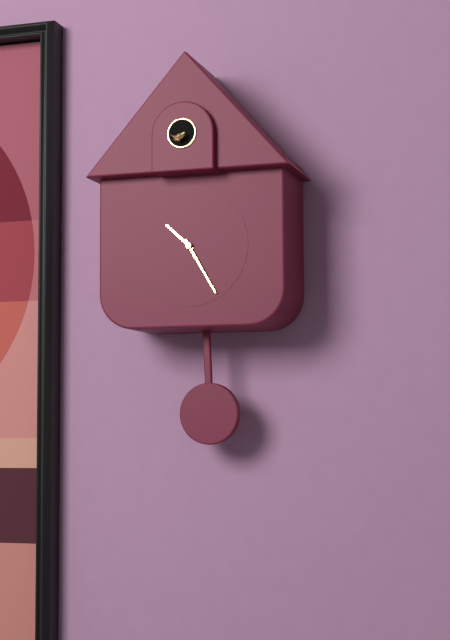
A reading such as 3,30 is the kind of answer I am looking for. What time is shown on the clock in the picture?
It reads 10,25
